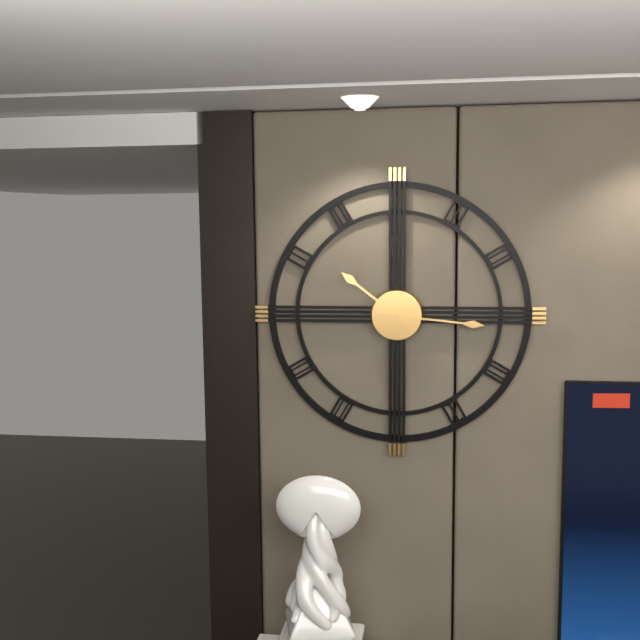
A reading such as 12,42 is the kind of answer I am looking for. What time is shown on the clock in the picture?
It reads 10,16
